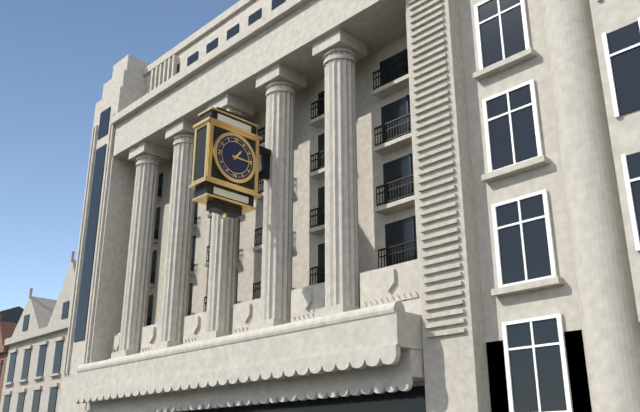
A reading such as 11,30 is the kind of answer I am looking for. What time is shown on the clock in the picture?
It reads 1,15
